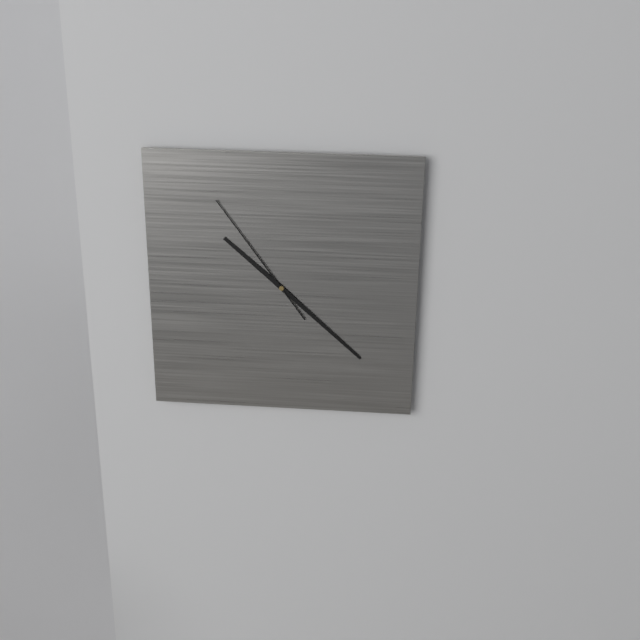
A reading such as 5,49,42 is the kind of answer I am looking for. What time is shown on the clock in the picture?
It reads 10,22,54
